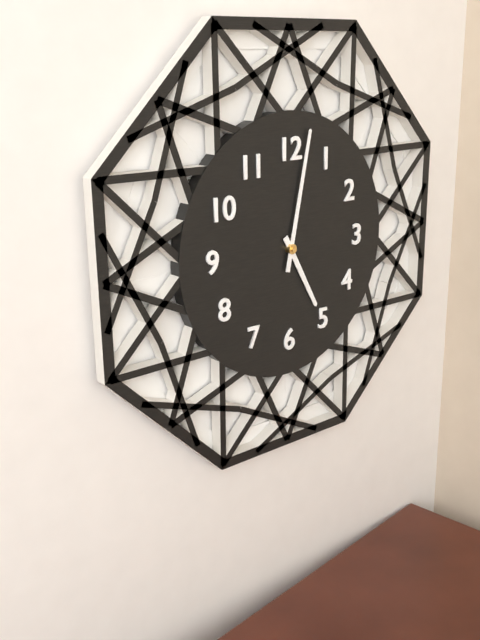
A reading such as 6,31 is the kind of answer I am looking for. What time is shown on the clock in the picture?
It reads 5,02
